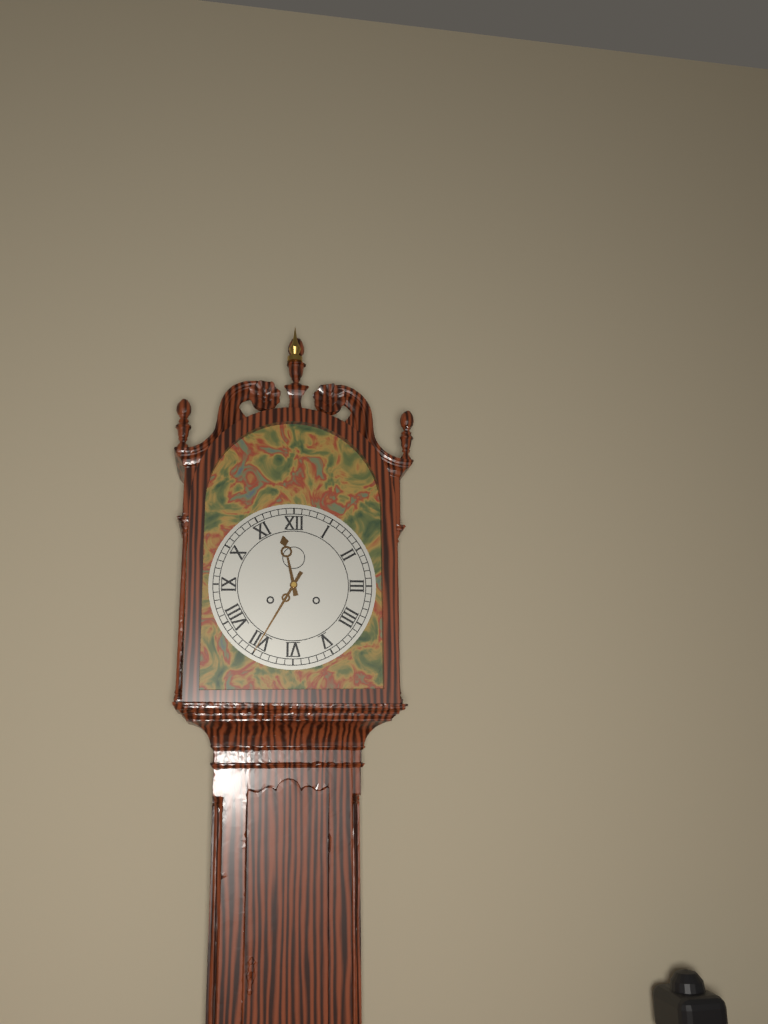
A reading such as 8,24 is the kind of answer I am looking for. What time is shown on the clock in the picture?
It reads 11,35
